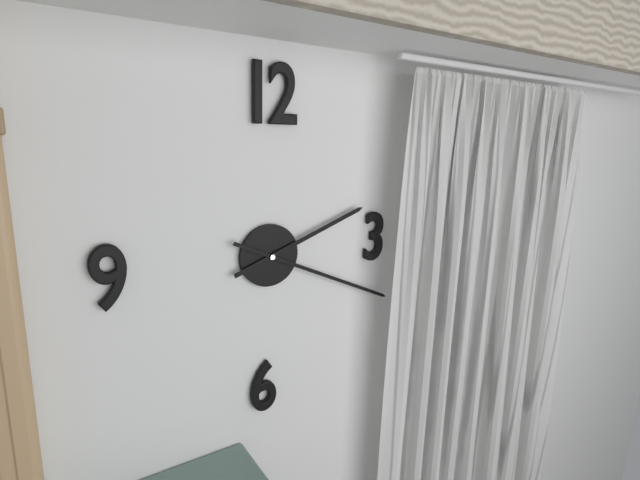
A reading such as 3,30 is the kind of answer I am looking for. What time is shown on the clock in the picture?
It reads 2,19
